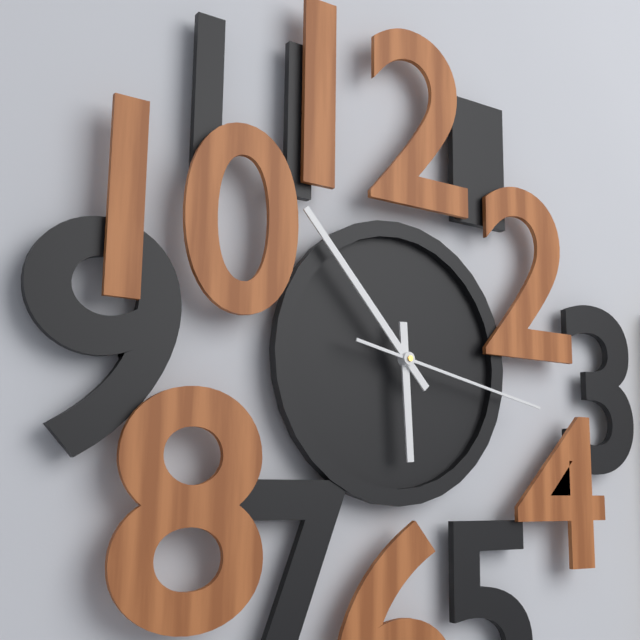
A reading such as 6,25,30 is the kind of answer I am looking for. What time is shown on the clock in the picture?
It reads 5,53,17
